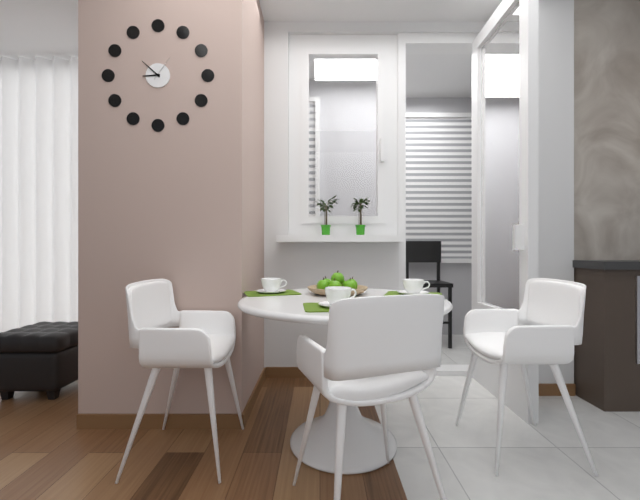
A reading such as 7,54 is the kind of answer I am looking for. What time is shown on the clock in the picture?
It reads 8,52
